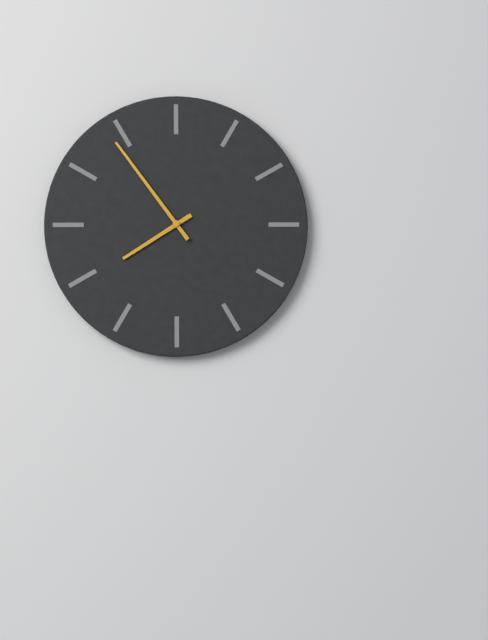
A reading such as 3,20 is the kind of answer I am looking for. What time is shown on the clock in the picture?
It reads 7,54
